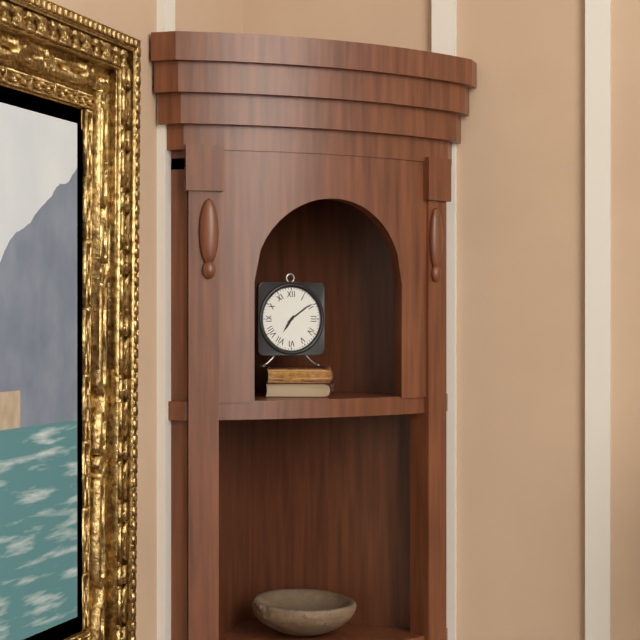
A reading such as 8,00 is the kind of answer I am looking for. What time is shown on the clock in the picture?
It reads 7,09
